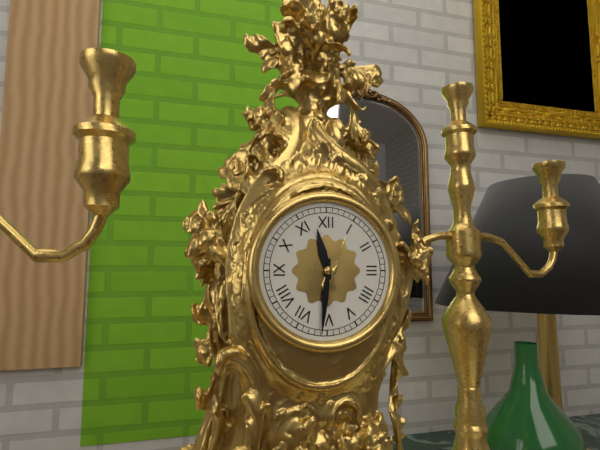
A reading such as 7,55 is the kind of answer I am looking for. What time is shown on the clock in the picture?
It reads 11,31
